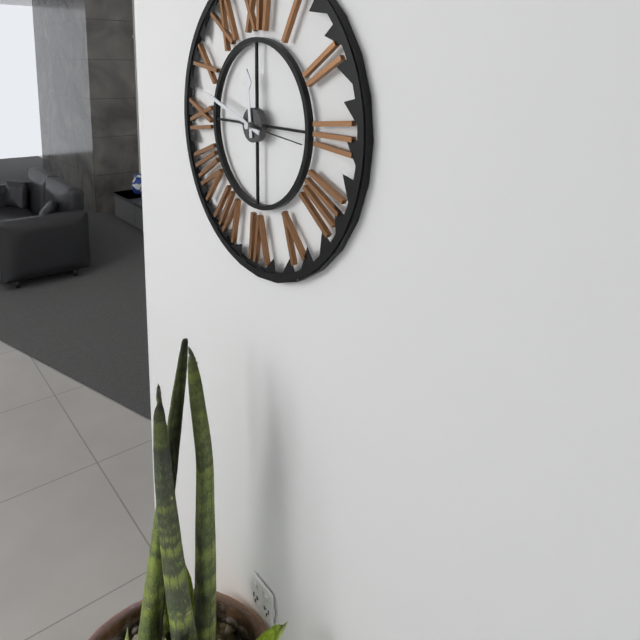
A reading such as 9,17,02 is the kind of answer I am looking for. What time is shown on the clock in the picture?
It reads 11,48,16
